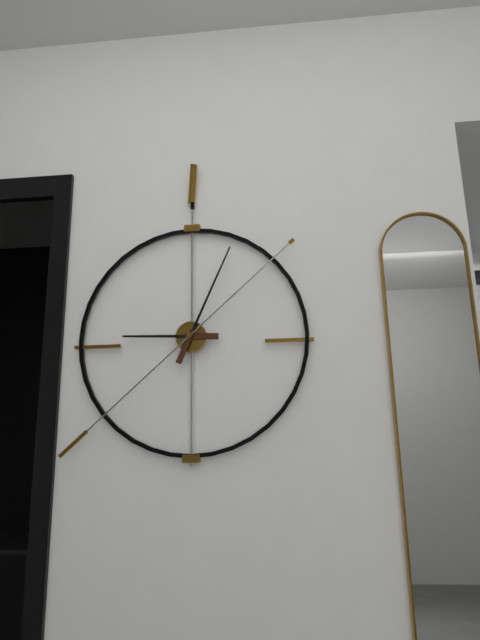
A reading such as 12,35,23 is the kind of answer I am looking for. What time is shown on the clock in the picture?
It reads 9,04,38
